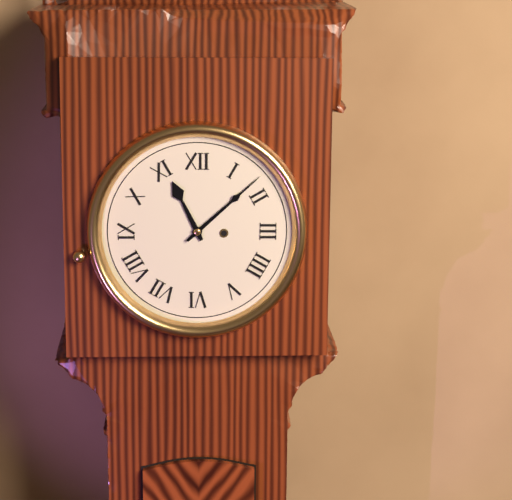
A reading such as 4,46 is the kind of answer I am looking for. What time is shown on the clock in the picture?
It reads 11,08
